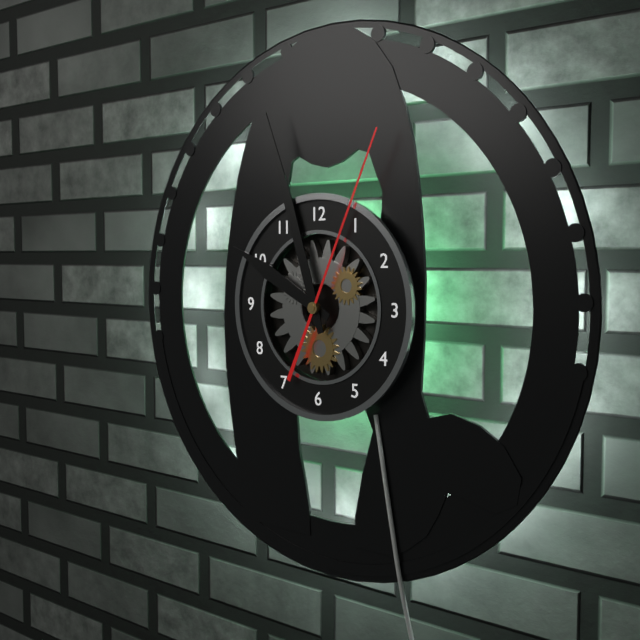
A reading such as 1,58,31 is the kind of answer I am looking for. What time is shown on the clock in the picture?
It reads 9,57,04
